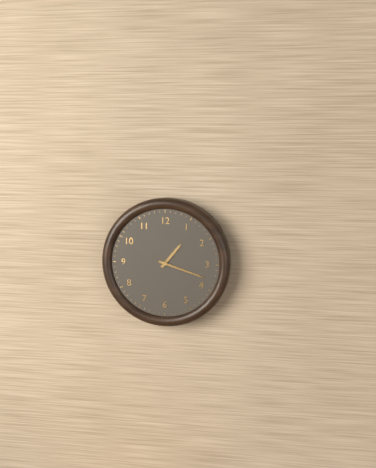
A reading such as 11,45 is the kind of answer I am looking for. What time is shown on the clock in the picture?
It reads 1,18
